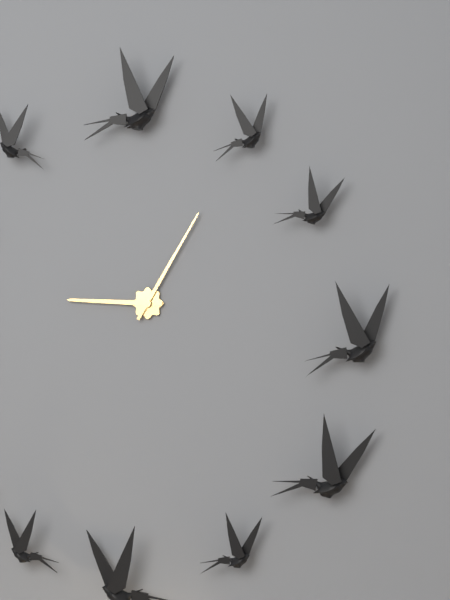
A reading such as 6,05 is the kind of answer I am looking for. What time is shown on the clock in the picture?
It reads 9,05
